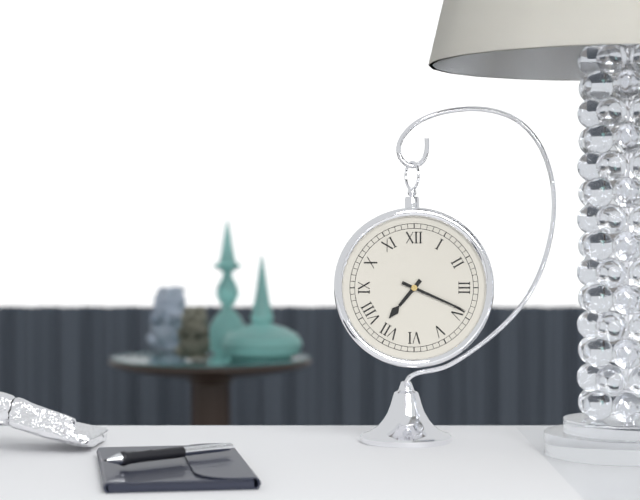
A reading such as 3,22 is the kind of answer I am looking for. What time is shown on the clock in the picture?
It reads 7,19
